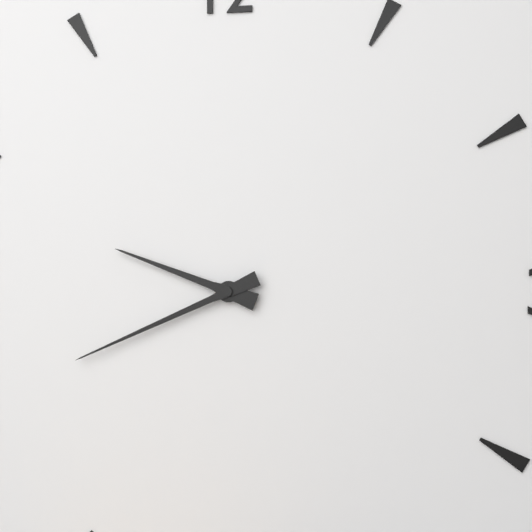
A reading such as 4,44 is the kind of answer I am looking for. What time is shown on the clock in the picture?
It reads 9,41
